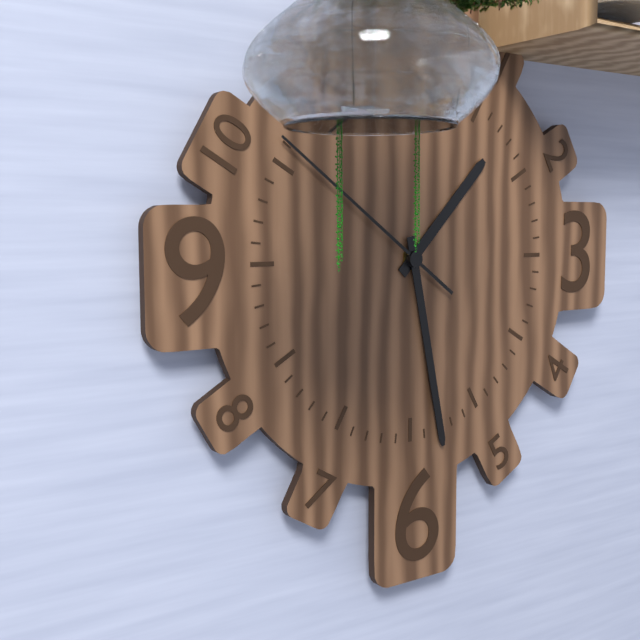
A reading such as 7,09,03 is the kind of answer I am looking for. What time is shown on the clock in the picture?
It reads 1,28,51
